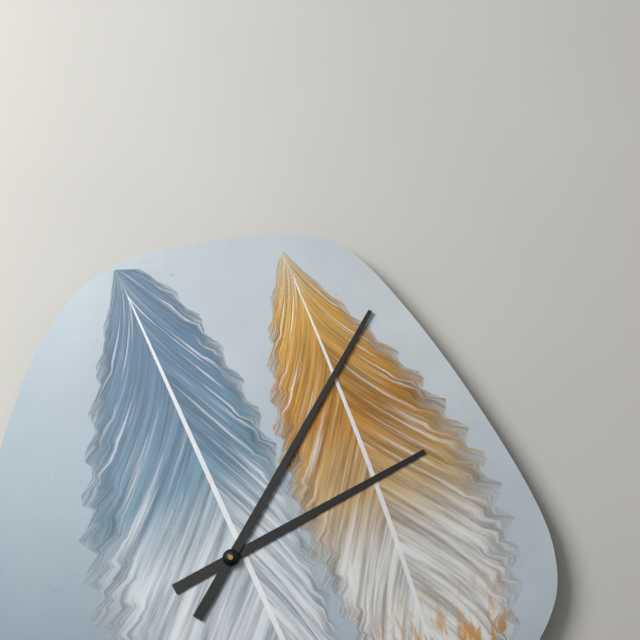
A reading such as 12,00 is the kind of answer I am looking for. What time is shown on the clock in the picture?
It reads 2,05
